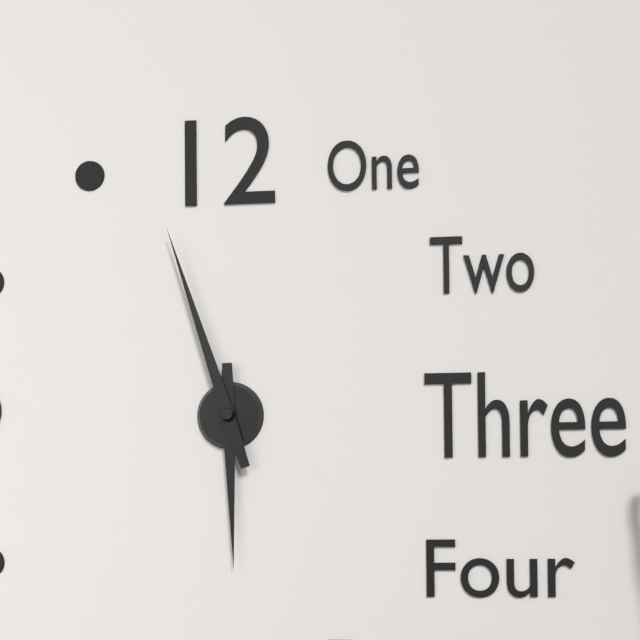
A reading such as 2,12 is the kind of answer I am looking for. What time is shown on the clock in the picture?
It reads 5,57
